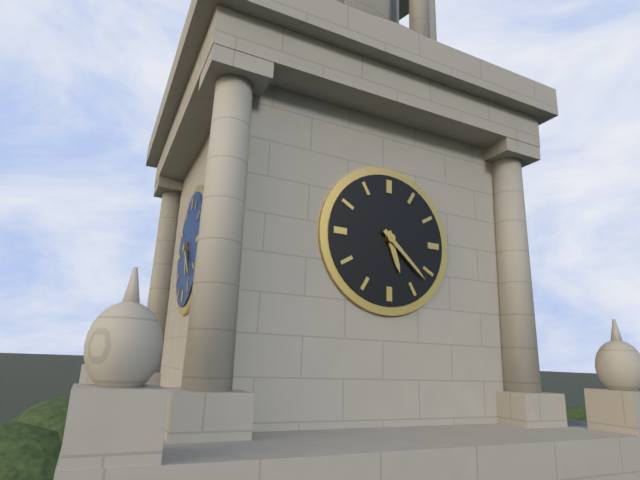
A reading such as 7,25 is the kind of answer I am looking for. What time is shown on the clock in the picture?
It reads 5,22
